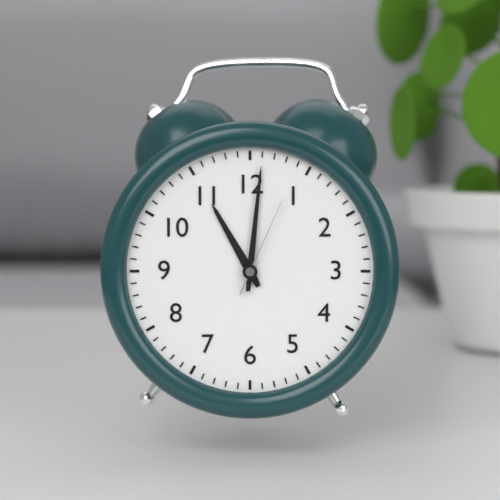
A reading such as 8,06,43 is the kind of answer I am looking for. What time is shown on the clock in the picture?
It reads 11,01,04
